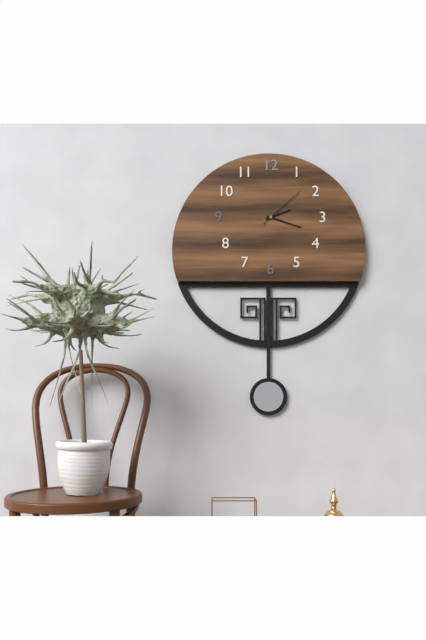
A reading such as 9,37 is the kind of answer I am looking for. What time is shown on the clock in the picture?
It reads 2,18
